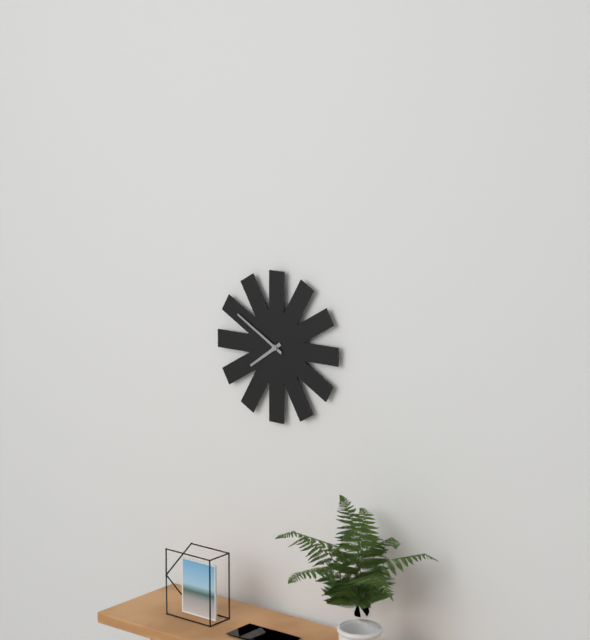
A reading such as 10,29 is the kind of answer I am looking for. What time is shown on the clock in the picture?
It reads 7,50
